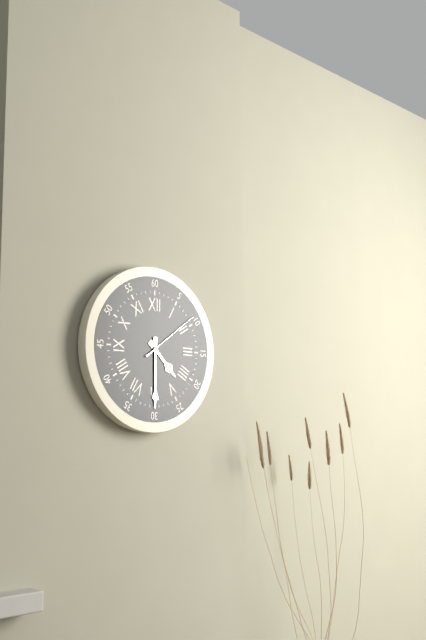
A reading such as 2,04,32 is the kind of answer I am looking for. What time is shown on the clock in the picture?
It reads 4,30,09
